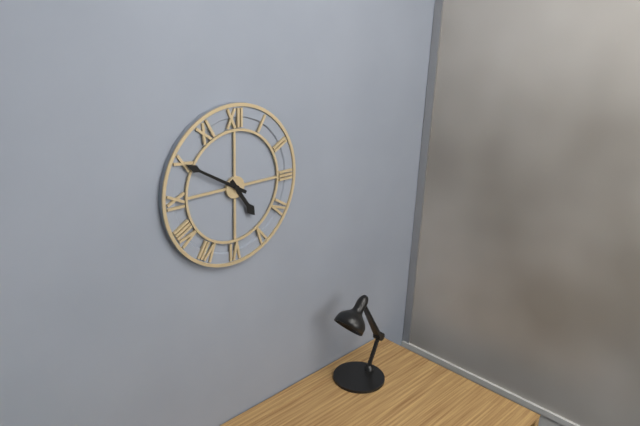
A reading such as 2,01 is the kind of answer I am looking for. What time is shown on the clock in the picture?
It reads 4,50
